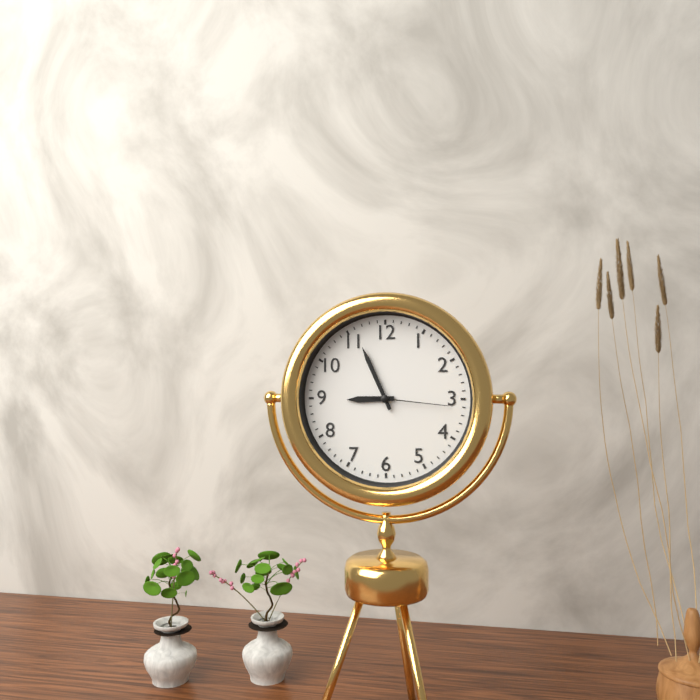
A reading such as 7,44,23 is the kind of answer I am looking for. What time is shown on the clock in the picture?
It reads 8,56,16
